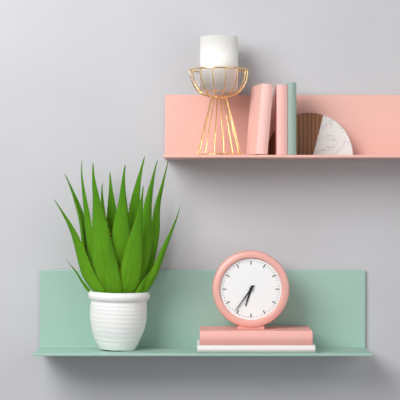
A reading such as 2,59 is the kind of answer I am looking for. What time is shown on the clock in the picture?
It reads 6,36
